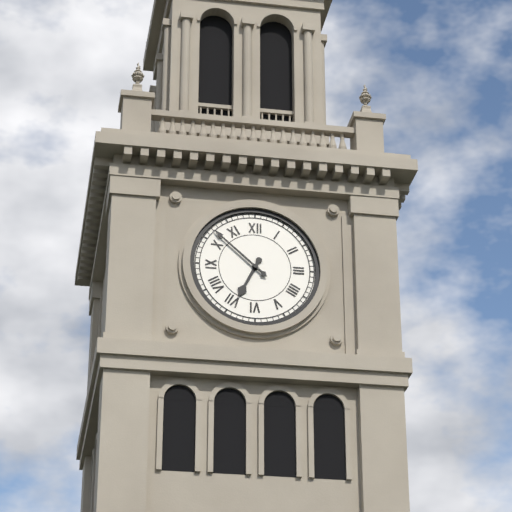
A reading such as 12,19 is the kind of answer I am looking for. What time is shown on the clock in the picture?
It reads 6,52
